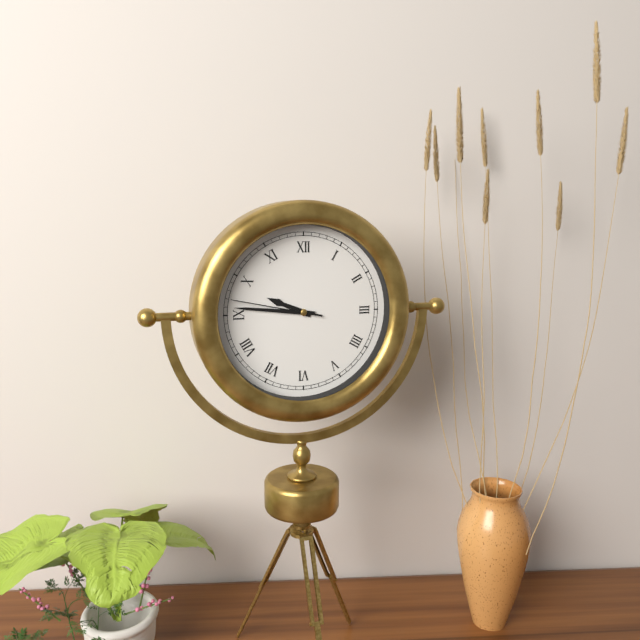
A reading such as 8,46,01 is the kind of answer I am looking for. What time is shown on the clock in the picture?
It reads 9,46,47
